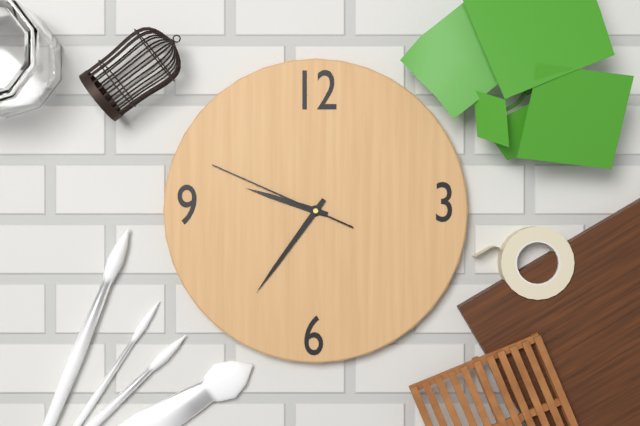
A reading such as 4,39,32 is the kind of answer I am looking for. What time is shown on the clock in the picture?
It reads 9,36,49
